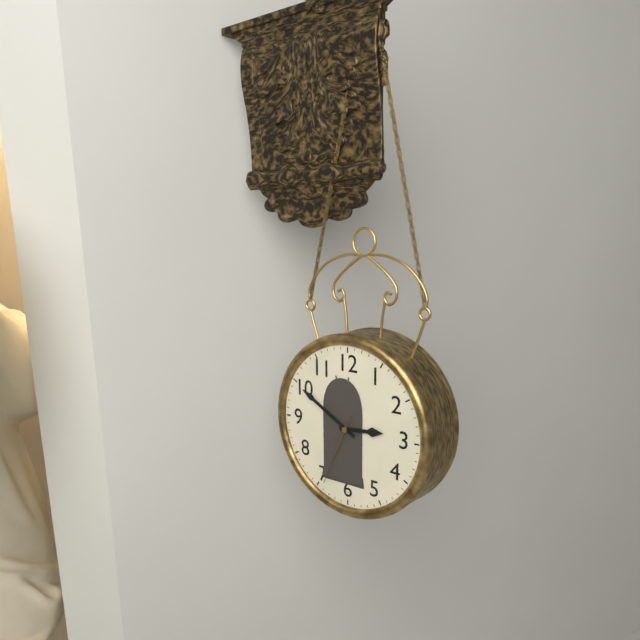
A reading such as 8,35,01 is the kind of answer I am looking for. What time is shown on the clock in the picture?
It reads 2,50,34
